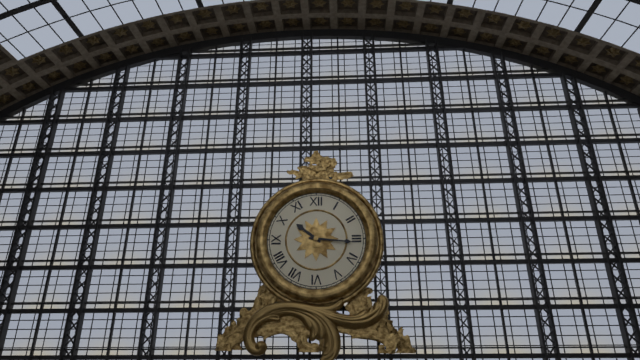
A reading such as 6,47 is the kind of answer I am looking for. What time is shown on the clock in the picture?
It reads 10,16
